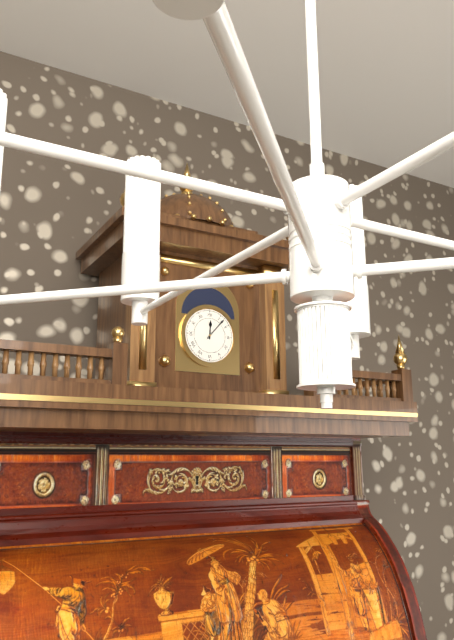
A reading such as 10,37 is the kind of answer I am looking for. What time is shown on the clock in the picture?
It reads 12,07
